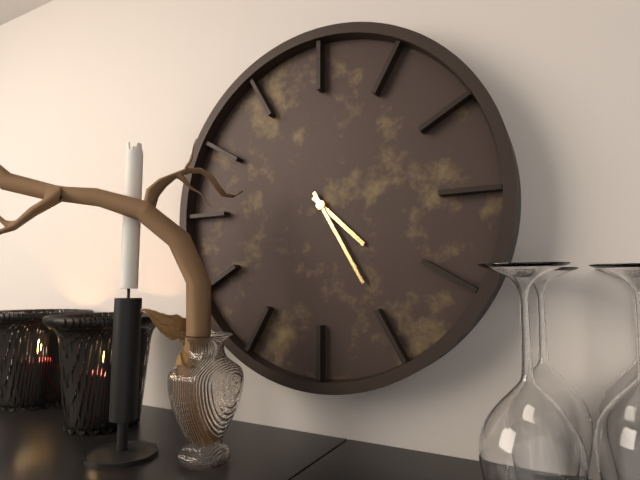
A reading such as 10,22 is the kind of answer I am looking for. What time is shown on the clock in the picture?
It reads 4,25
